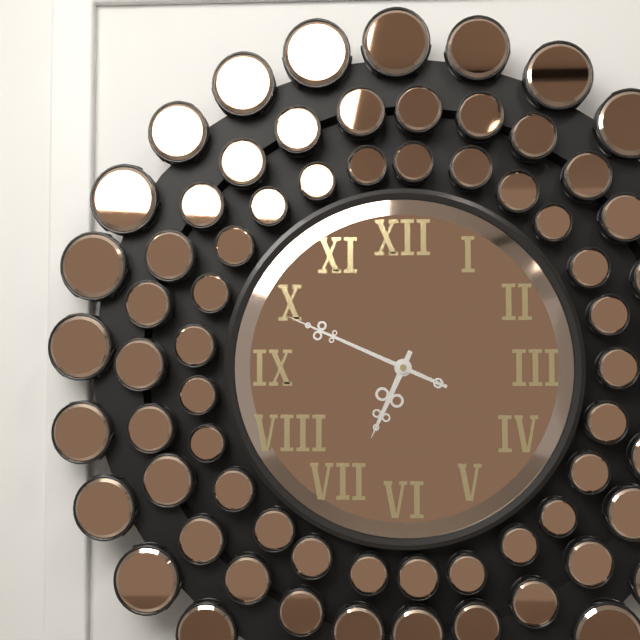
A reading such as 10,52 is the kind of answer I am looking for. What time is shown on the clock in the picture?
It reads 6,49
